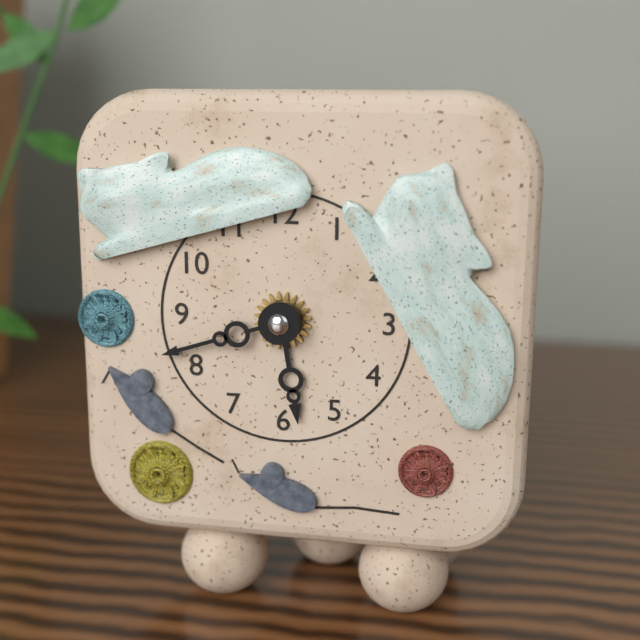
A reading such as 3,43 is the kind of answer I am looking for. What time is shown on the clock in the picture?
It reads 5,42
